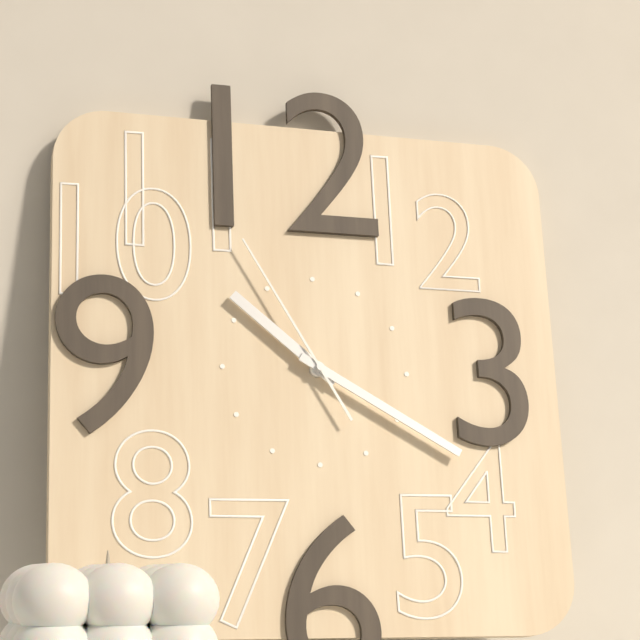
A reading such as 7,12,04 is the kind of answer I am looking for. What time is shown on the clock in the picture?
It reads 10,20,55
